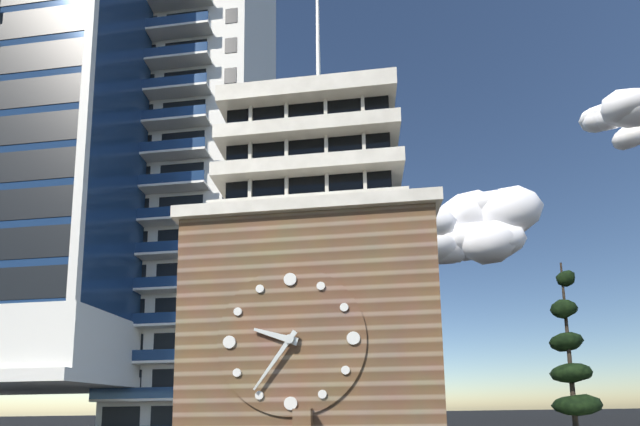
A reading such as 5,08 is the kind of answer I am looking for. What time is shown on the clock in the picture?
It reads 9,36
